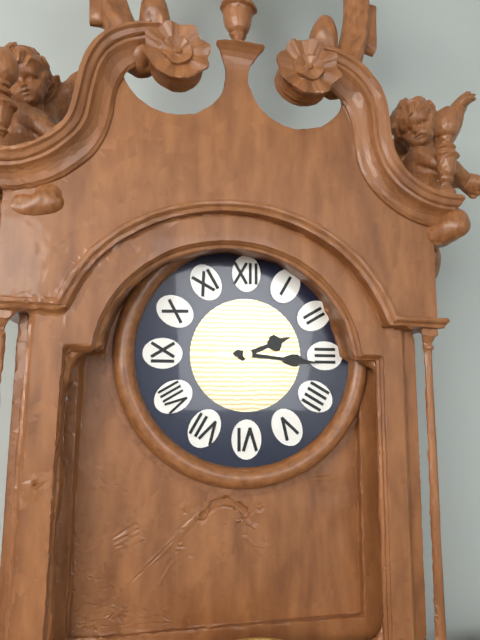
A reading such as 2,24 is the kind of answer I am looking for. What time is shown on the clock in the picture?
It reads 2,16
